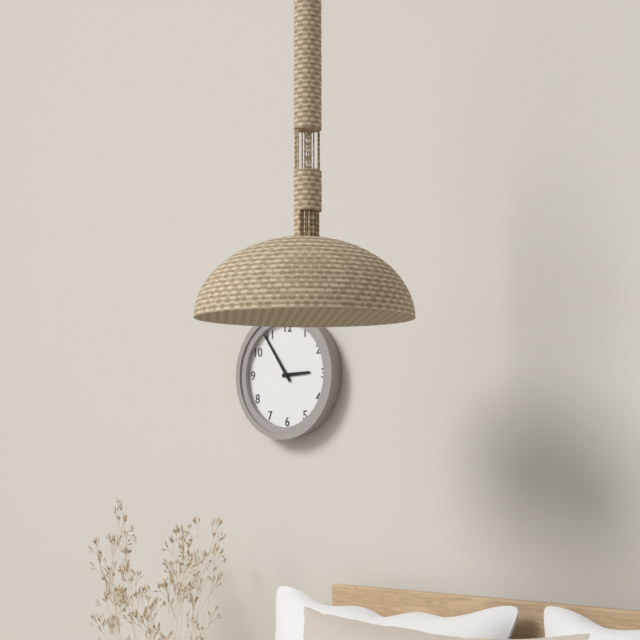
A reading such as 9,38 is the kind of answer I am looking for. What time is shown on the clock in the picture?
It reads 2,54
